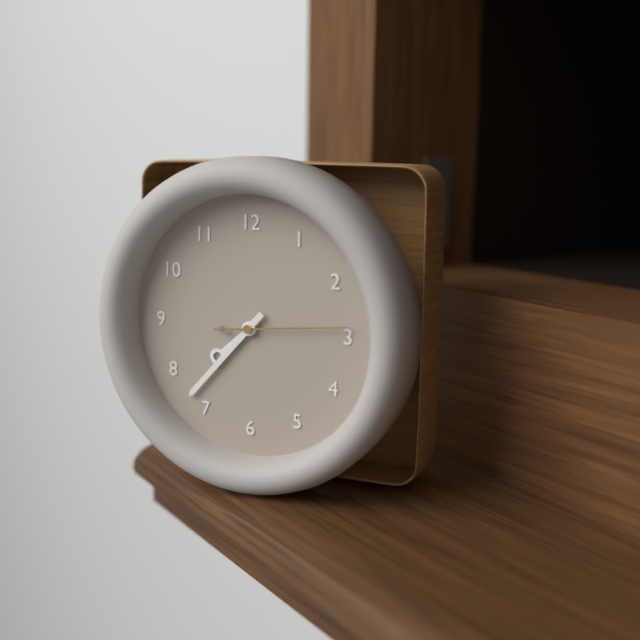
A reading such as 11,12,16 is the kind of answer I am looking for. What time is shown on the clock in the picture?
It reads 7,37,14
